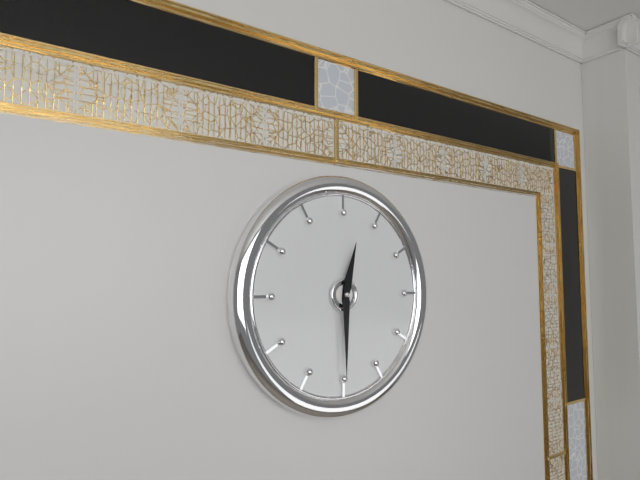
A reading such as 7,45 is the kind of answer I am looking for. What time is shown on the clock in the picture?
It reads 12,30
